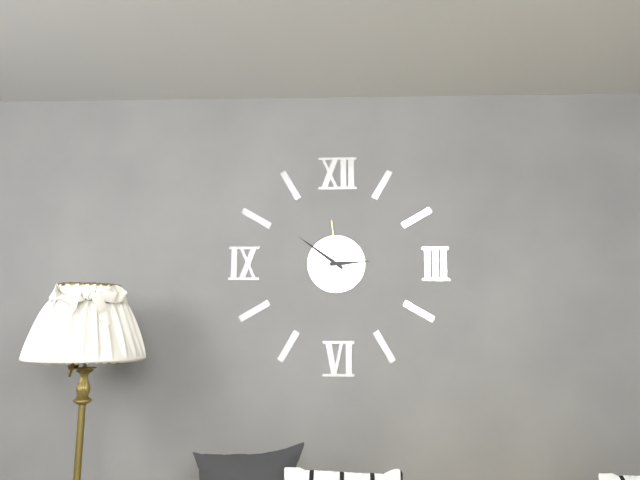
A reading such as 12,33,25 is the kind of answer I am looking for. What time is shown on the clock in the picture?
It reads 2,51,59
